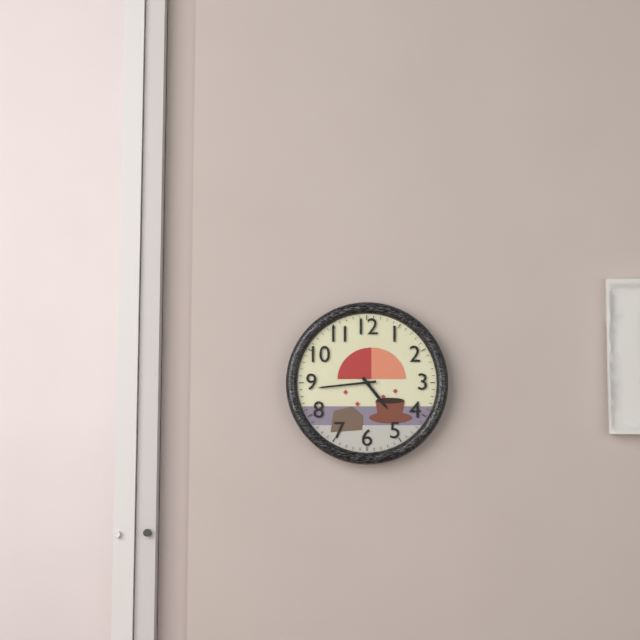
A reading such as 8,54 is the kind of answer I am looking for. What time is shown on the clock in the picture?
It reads 4,44
